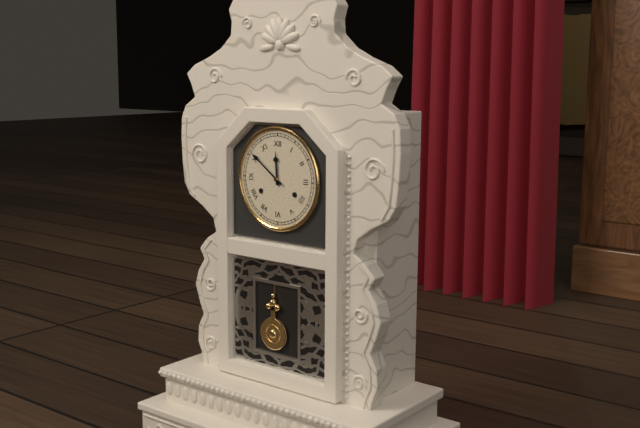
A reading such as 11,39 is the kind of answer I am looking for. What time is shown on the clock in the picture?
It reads 11,51
